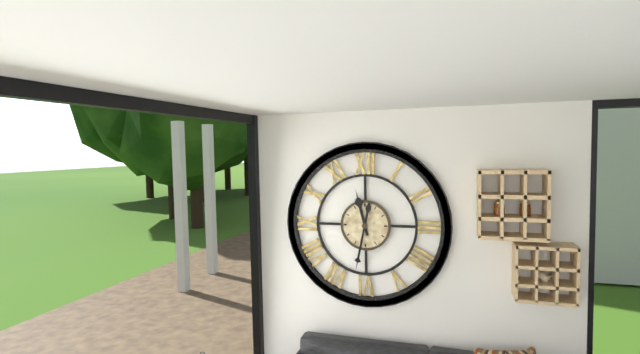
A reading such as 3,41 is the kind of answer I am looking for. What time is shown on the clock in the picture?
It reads 11,32
